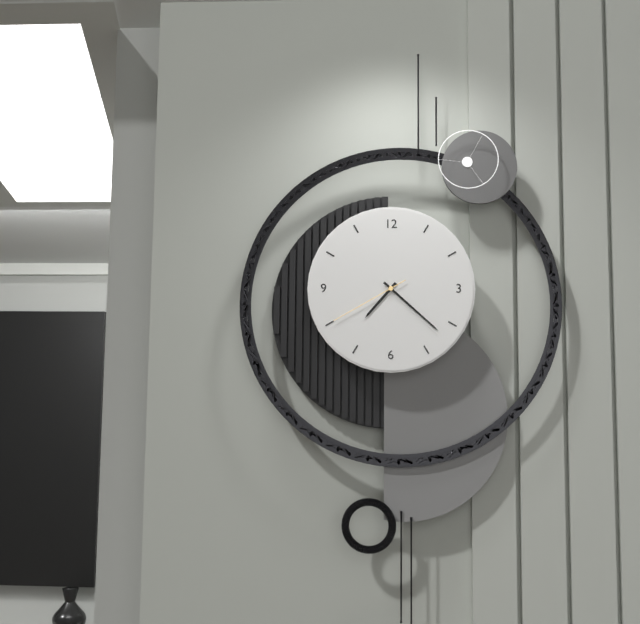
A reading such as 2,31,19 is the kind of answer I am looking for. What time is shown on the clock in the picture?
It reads 7,22,40
